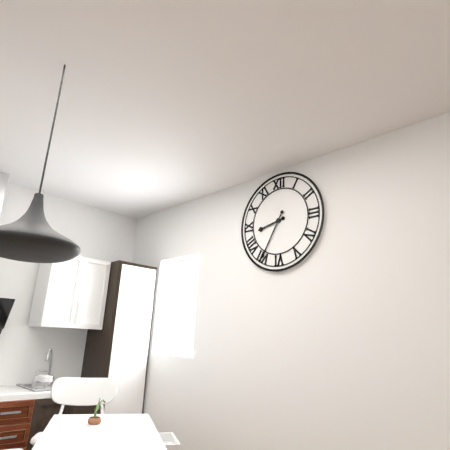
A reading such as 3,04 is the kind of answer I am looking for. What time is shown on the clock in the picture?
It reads 8,35
